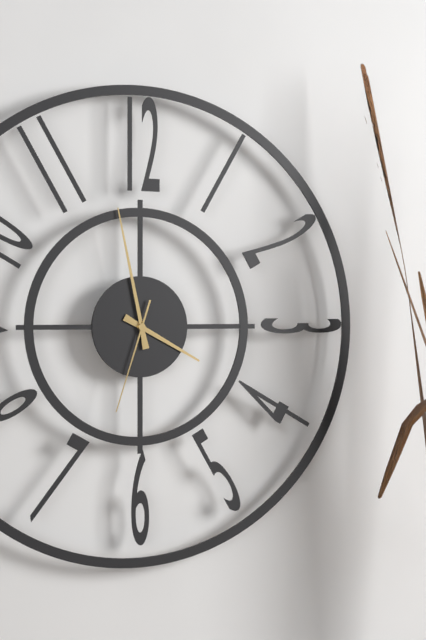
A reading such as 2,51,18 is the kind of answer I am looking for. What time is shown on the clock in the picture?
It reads 3,58,33
